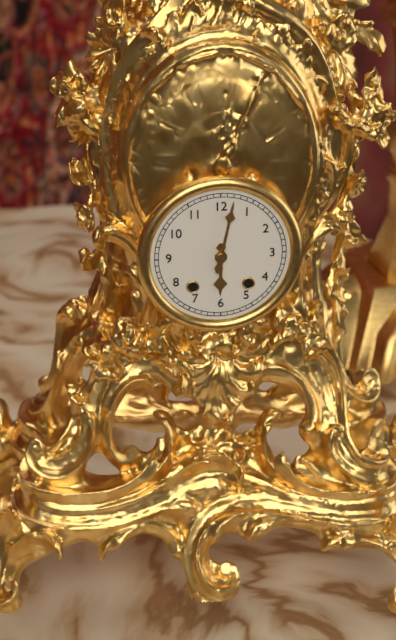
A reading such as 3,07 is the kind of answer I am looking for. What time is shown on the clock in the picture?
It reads 6,02
